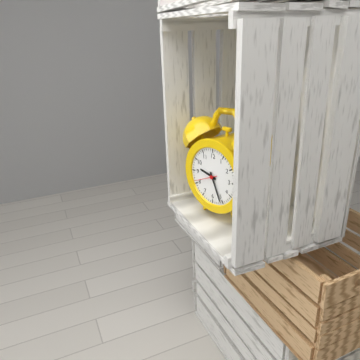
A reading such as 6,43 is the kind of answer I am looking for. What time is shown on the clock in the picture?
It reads 9,26
